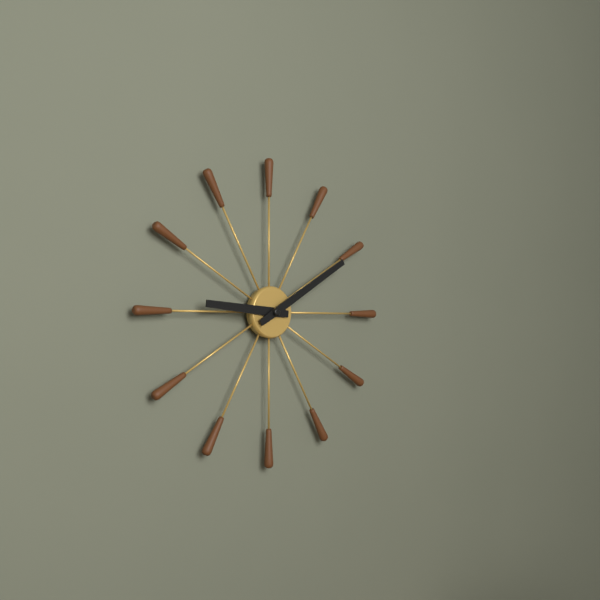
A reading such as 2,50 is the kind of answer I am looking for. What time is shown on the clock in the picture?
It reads 9,10
